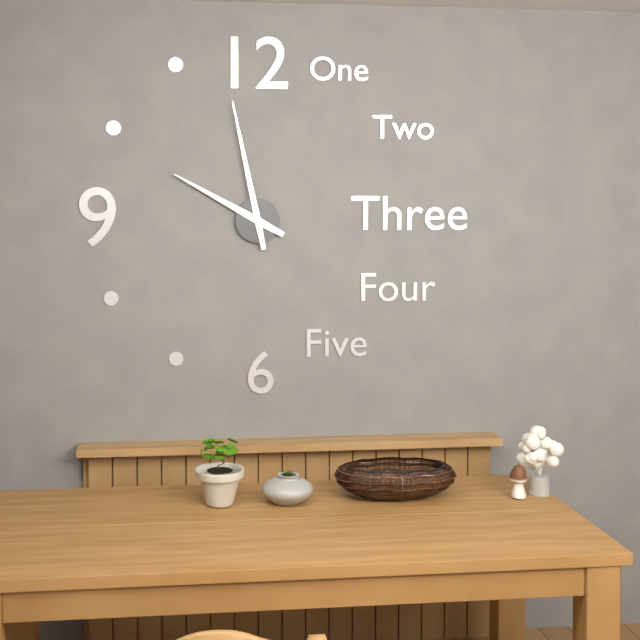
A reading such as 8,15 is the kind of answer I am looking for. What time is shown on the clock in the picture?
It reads 9,58
